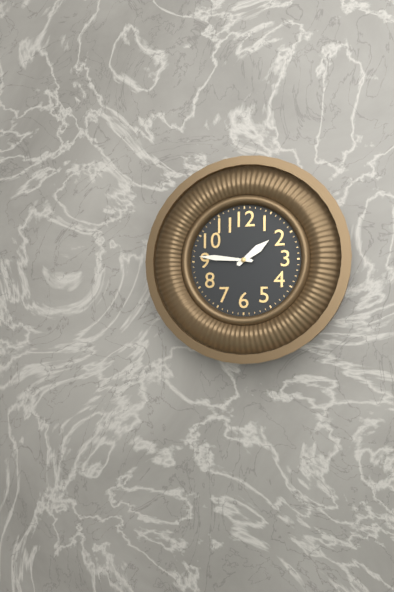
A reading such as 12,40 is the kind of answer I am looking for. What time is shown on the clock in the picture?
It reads 1,46
